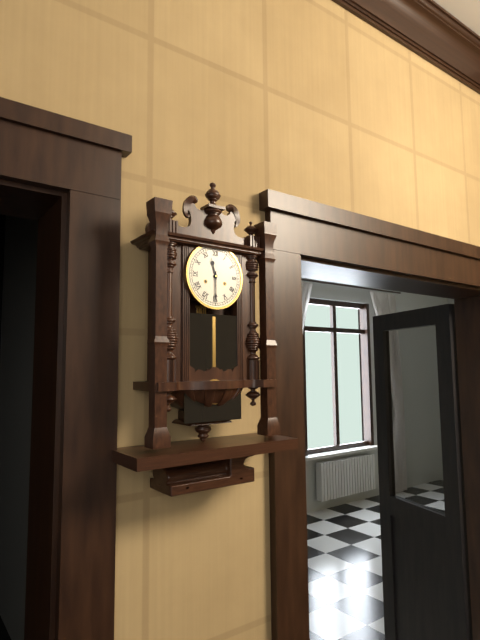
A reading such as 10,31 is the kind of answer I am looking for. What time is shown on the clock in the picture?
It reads 11,30
